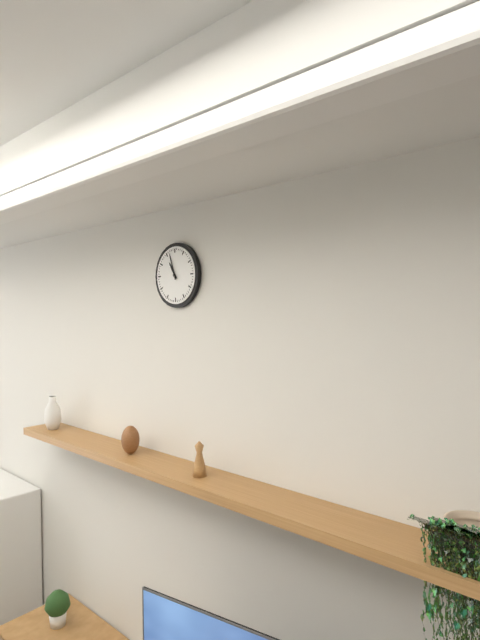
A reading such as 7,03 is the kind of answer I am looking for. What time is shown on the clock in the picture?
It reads 10,57
